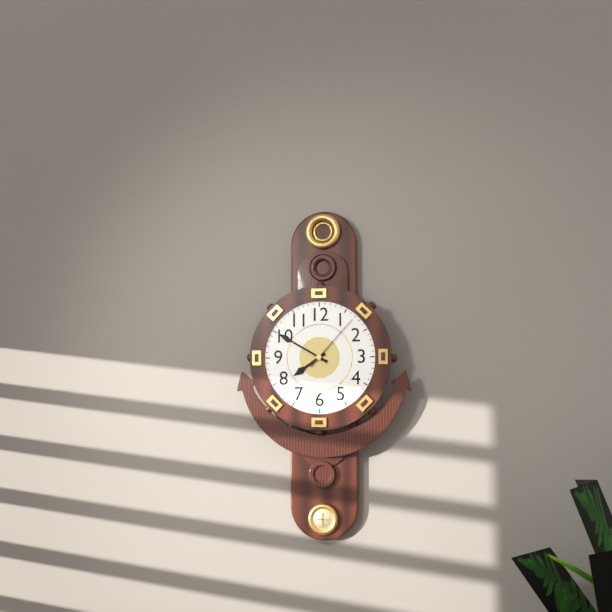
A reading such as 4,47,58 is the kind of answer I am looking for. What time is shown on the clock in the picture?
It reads 7,50,07
